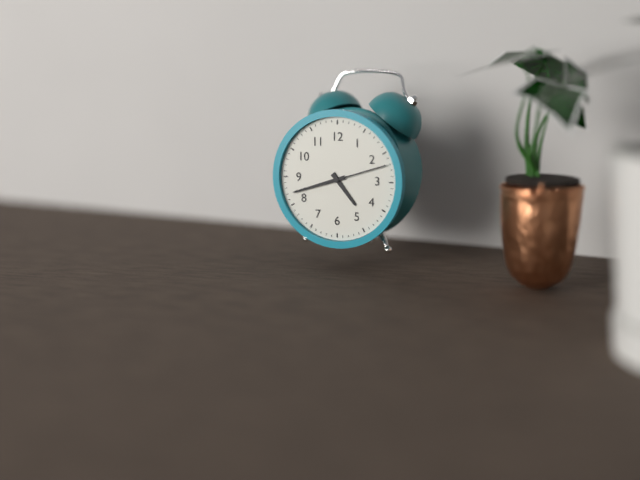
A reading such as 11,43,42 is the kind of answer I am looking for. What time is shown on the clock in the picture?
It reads 4,42,12
